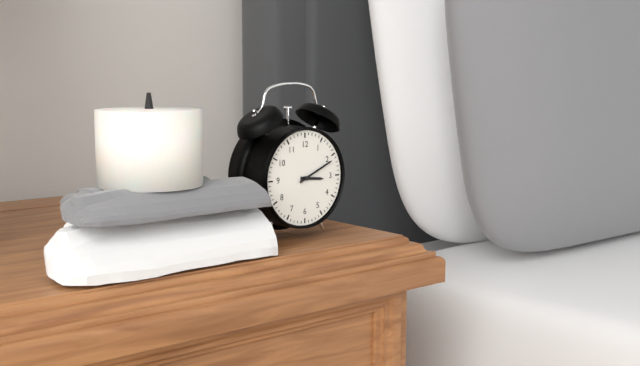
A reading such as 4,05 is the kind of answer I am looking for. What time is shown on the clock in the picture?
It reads 3,11
